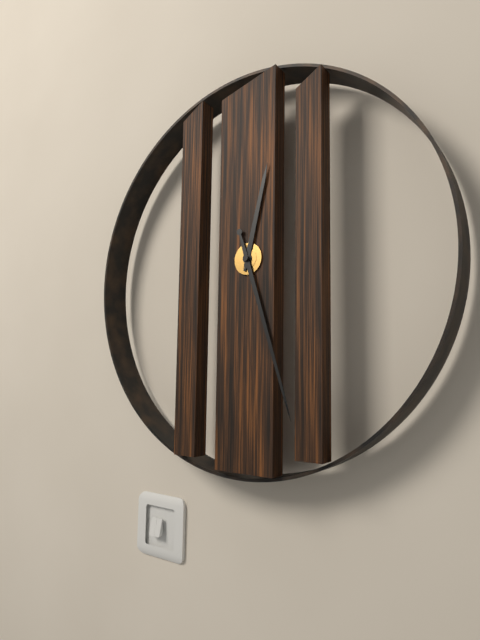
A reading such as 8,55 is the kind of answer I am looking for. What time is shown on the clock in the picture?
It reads 12,27
